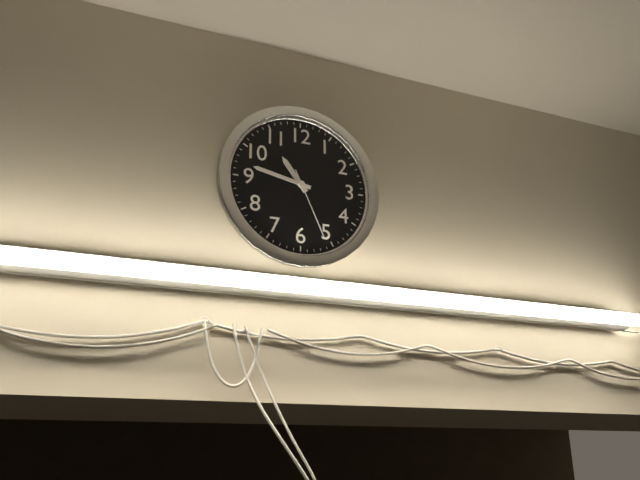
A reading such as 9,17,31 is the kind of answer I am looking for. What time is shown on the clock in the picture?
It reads 10,47,26
